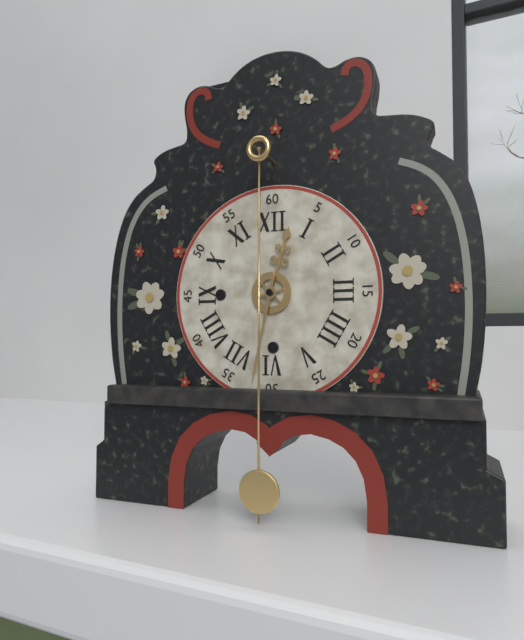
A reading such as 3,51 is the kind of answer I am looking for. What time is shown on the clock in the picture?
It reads 12,32
